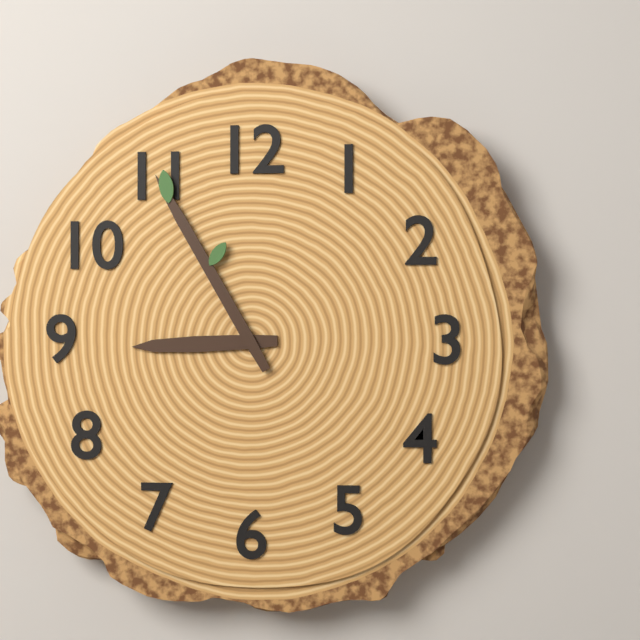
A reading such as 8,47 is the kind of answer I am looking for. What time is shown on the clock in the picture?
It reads 8,55
